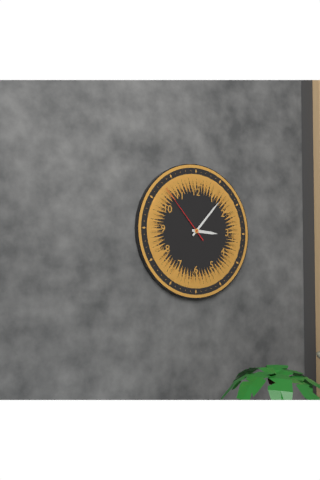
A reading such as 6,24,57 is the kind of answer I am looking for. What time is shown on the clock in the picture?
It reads 3,07,53
